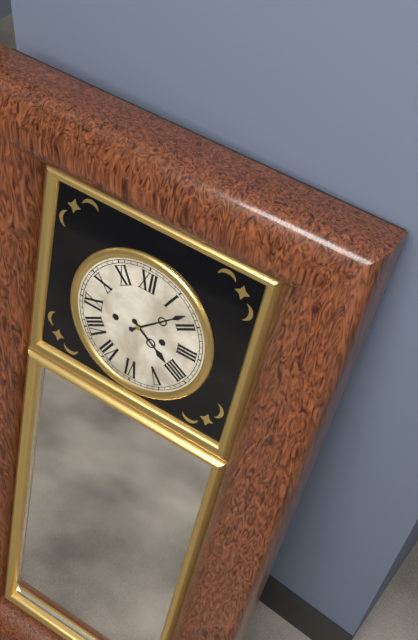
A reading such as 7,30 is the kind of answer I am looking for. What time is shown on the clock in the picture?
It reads 4,08
